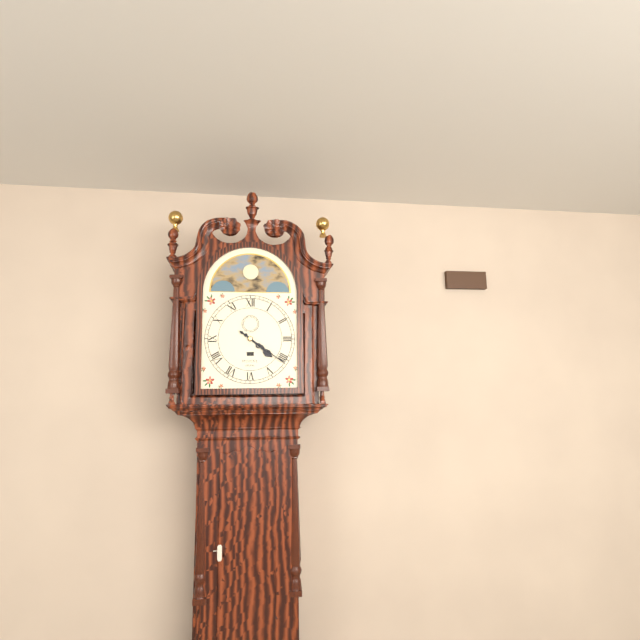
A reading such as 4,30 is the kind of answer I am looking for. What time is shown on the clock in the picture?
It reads 4,21
